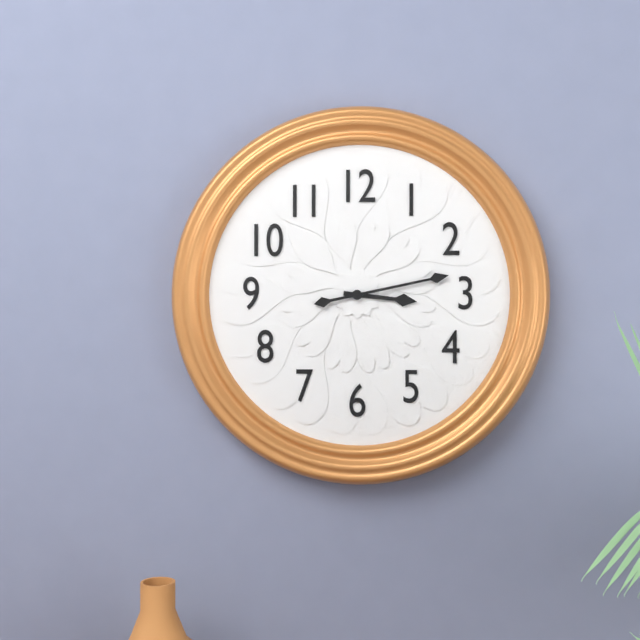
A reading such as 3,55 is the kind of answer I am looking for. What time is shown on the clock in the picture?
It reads 3,13
